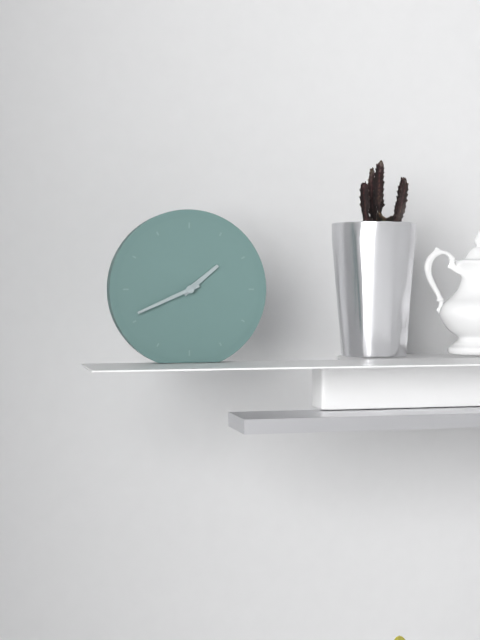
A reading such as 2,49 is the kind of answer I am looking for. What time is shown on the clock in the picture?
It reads 1,41
